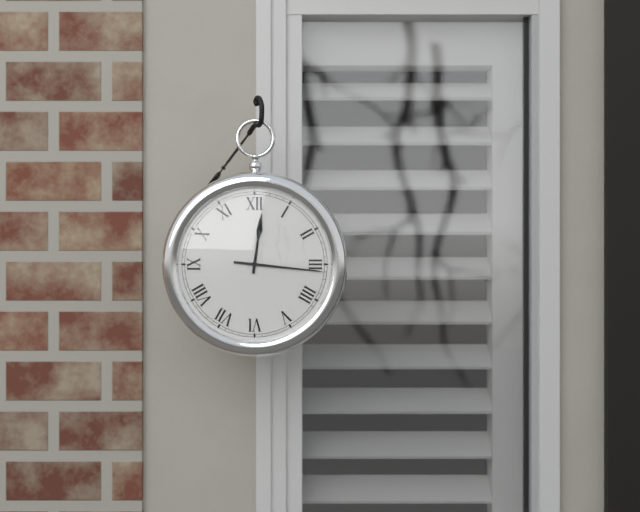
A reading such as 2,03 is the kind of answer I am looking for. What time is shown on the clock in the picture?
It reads 12,16
